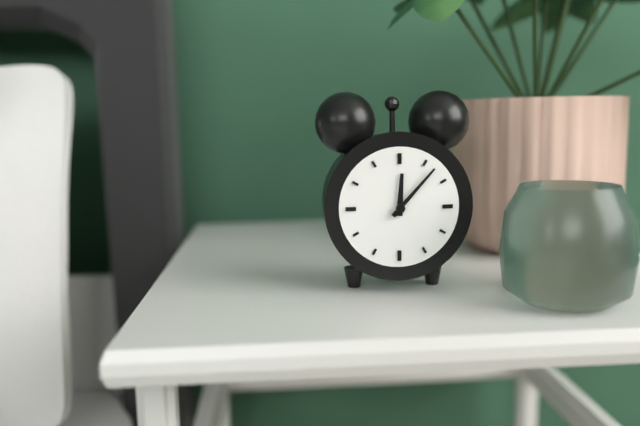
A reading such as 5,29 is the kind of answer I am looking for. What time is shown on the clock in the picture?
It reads 12,07
